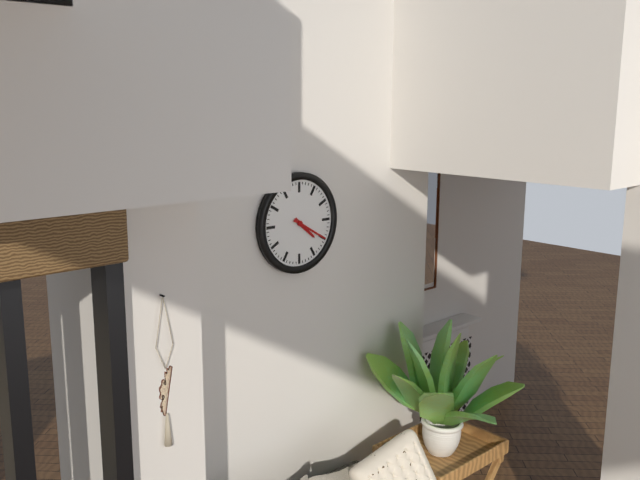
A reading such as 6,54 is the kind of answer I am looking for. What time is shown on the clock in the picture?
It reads 4,20
